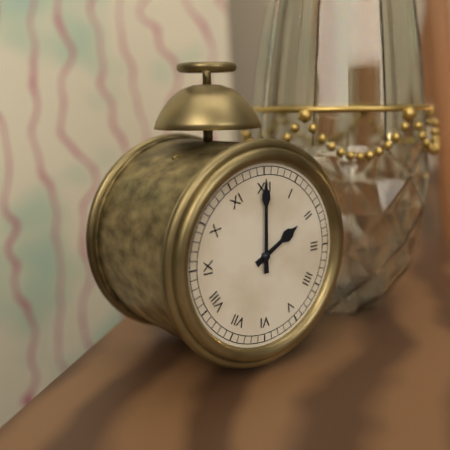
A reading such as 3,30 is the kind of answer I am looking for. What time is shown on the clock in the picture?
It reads 2,00
